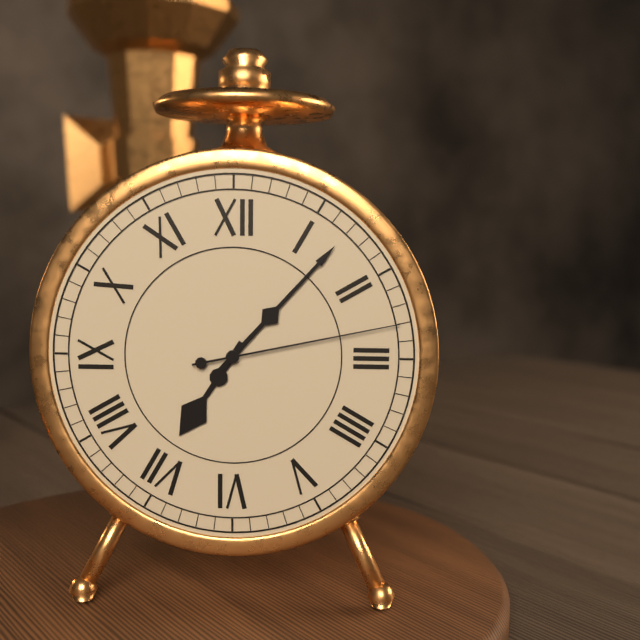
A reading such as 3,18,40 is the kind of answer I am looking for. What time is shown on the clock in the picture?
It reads 7,07,13
